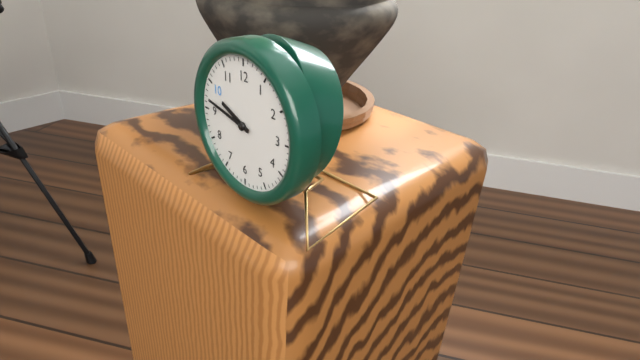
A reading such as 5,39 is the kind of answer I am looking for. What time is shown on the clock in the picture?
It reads 9,47
